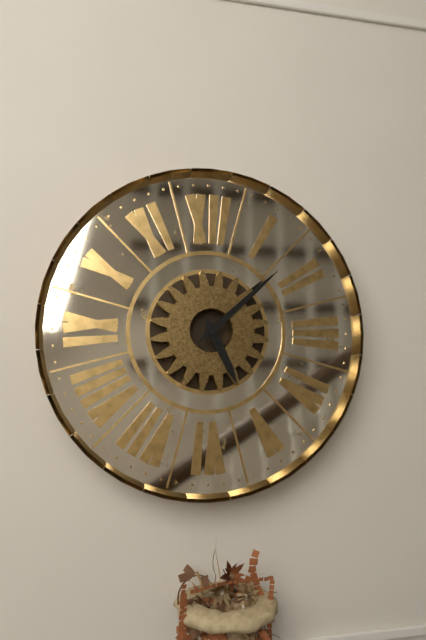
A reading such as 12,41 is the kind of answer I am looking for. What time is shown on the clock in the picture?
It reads 5,08
